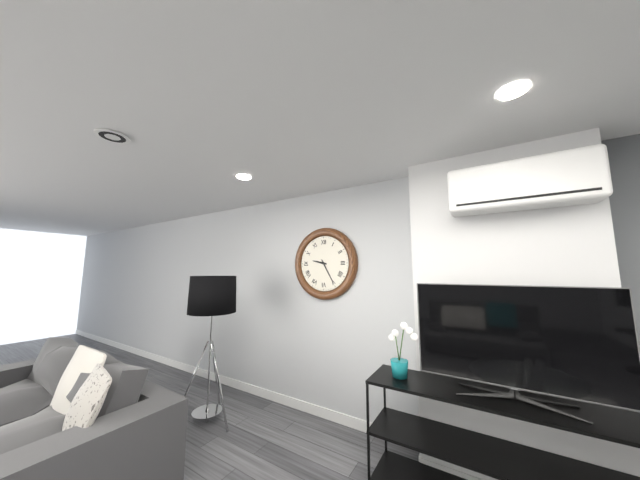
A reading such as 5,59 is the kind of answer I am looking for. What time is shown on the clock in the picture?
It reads 9,25
